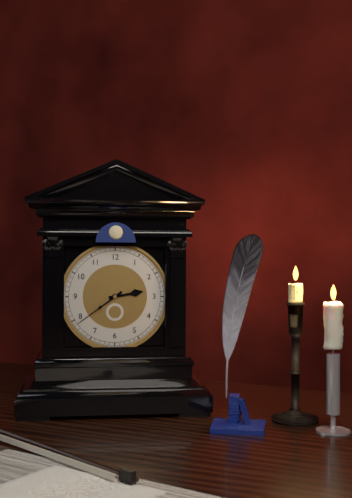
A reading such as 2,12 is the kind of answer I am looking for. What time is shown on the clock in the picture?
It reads 2,39
